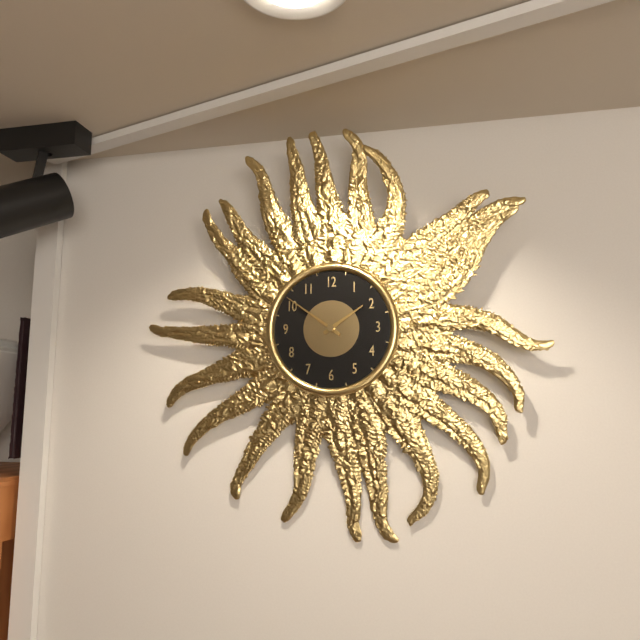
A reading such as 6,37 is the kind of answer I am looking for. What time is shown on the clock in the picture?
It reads 1,51
